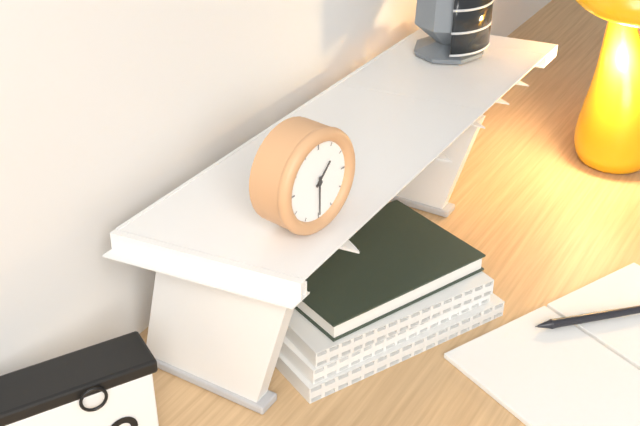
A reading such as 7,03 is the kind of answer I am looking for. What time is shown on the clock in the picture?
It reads 1,30
